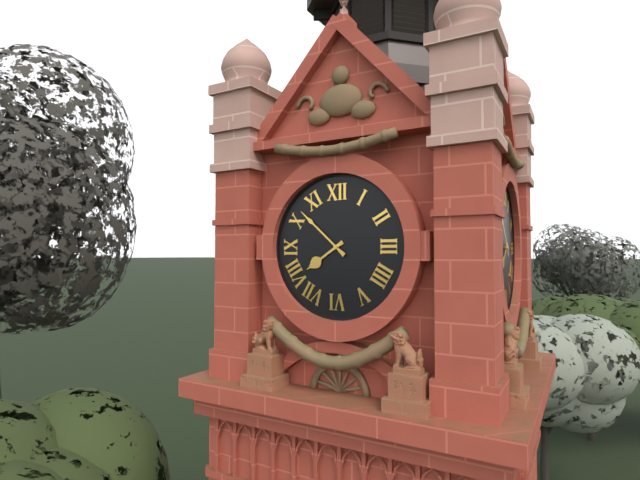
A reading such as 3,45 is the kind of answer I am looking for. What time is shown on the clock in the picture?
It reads 7,52
